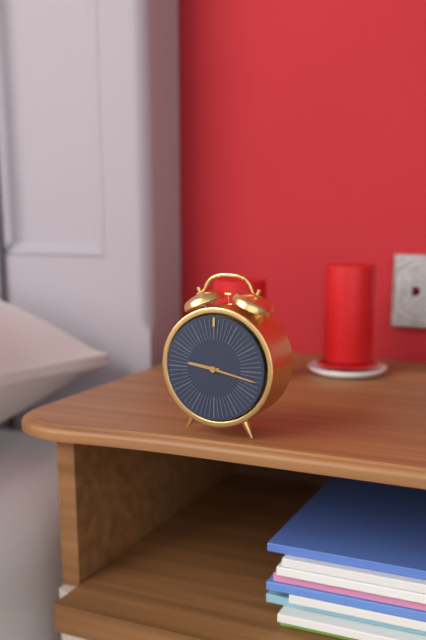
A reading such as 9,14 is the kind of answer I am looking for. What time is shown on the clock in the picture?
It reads 9,17
